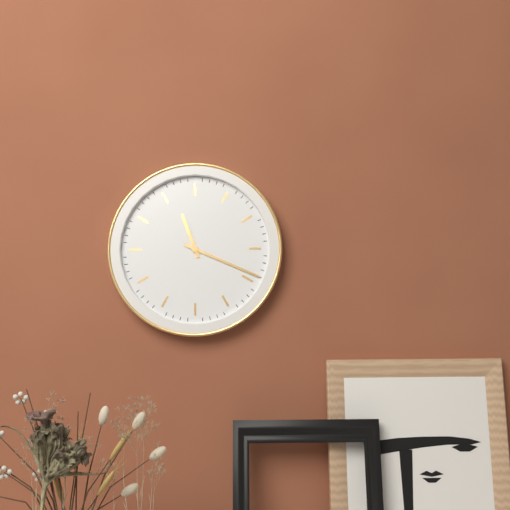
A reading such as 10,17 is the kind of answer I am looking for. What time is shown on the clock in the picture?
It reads 11,19
